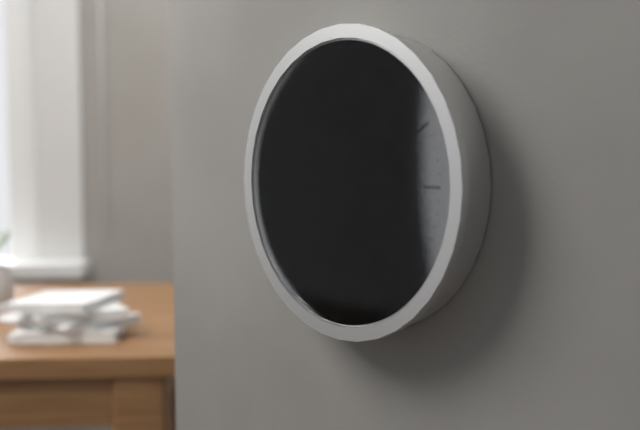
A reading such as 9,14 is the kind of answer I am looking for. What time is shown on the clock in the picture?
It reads 6,23
